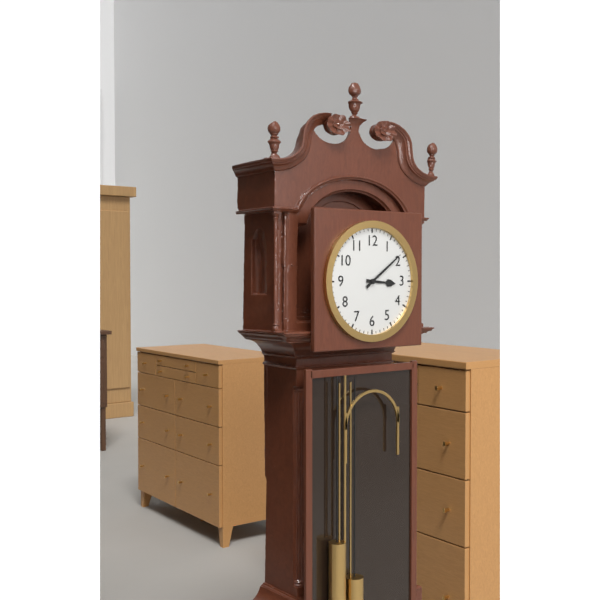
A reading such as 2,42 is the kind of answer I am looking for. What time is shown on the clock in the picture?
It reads 3,09
